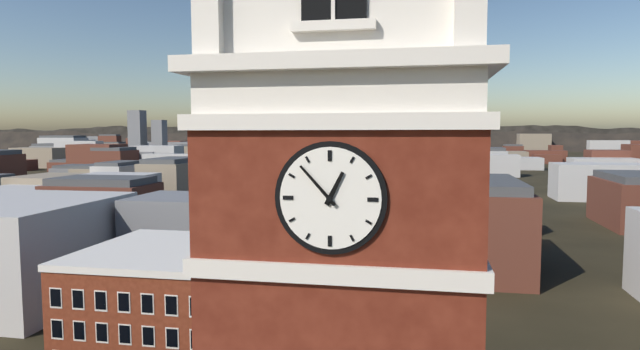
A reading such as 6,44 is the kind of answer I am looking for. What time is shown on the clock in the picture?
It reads 12,53
